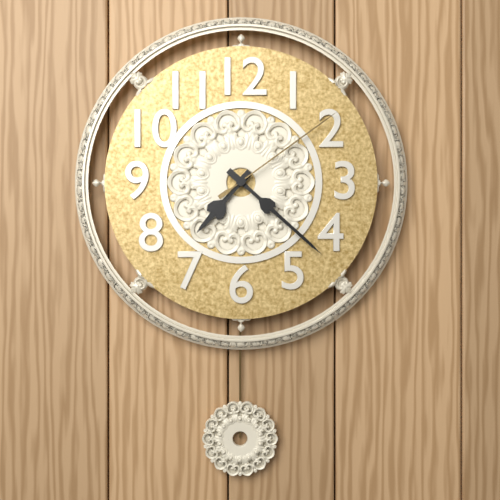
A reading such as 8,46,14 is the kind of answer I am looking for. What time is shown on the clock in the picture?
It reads 7,22,09
